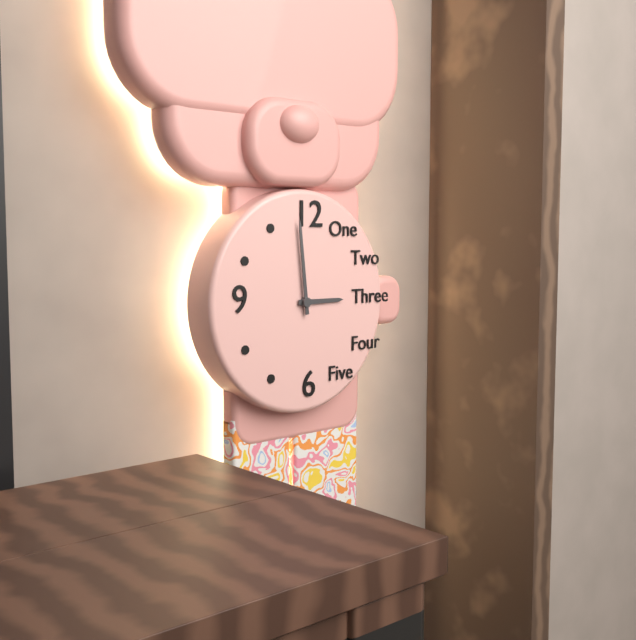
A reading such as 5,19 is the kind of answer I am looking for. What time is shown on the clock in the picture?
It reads 2,59
